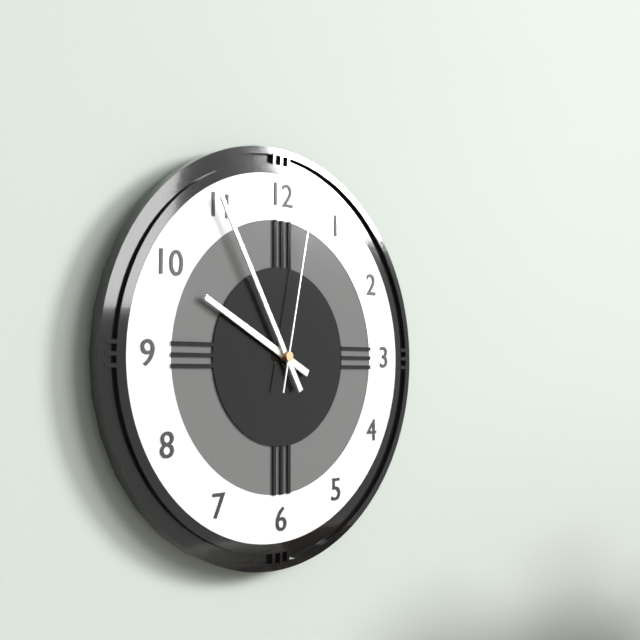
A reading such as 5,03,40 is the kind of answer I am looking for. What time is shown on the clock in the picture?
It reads 9,55,02
